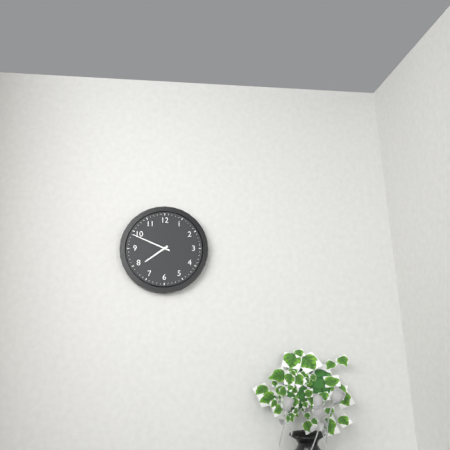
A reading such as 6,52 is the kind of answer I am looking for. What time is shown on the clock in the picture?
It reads 7,49
